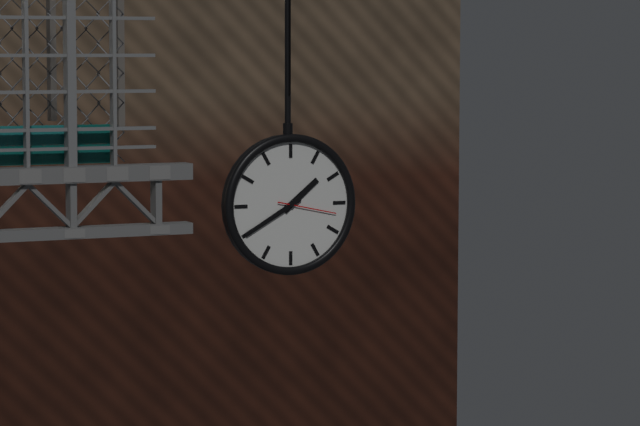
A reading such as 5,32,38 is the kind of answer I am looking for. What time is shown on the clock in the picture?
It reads 1,40,17
